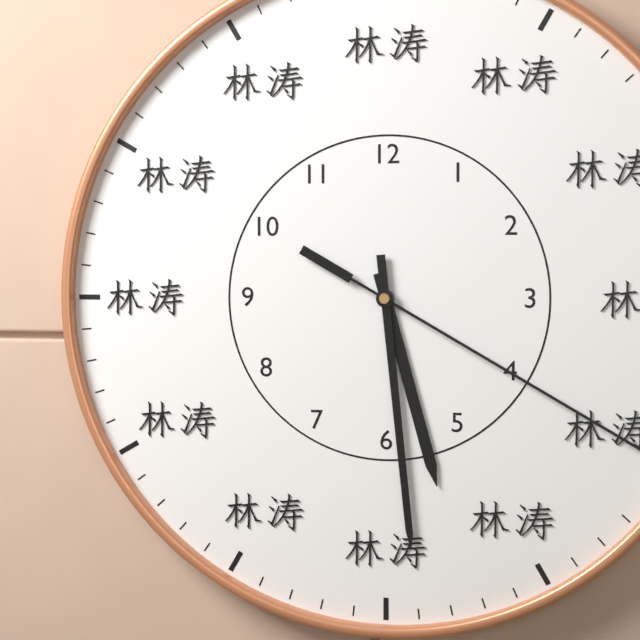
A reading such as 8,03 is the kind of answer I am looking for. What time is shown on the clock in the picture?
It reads 5,29
